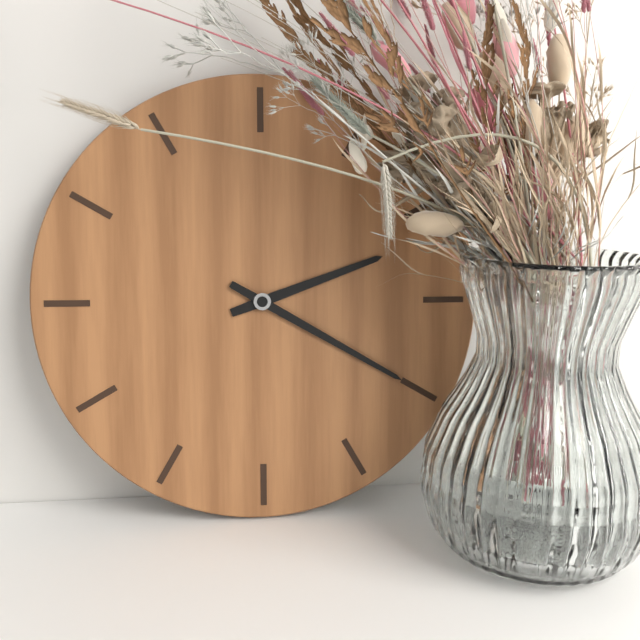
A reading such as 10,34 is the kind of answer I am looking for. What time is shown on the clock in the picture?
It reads 2,20
